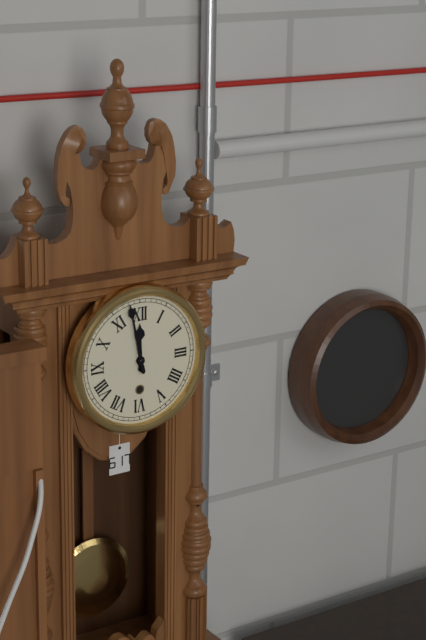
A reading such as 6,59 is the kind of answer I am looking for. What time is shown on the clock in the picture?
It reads 11,58
